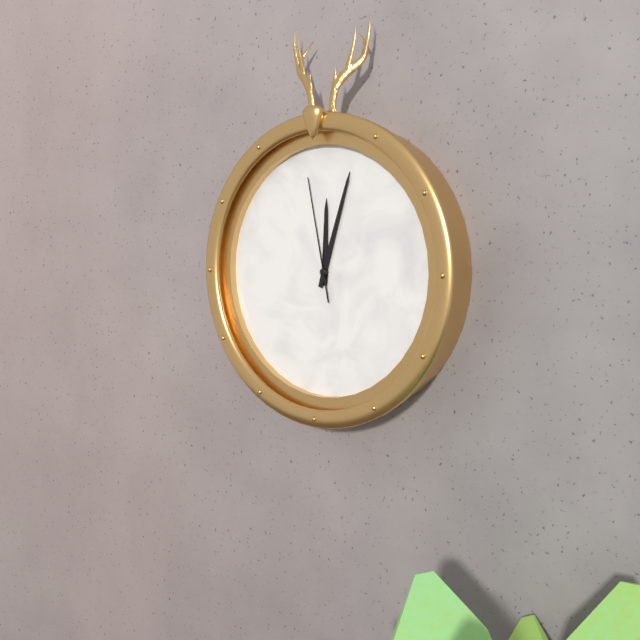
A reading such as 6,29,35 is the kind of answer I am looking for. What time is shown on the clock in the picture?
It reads 12,03,58
